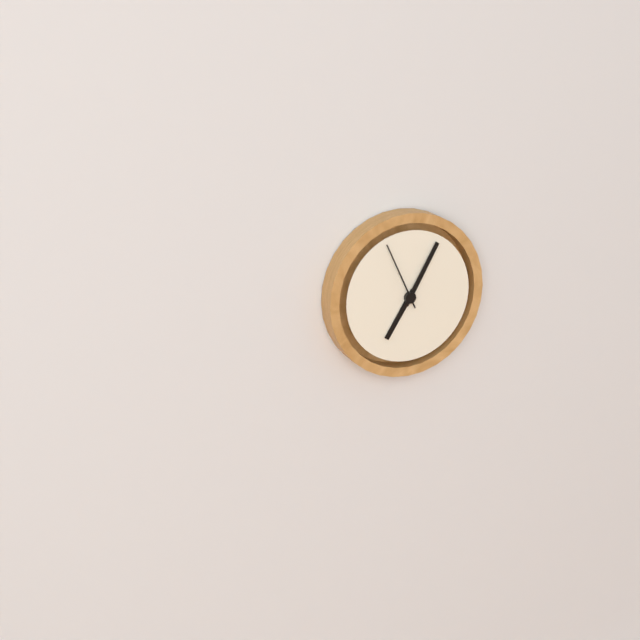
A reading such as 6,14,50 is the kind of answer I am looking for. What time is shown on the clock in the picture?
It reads 7,05,56
